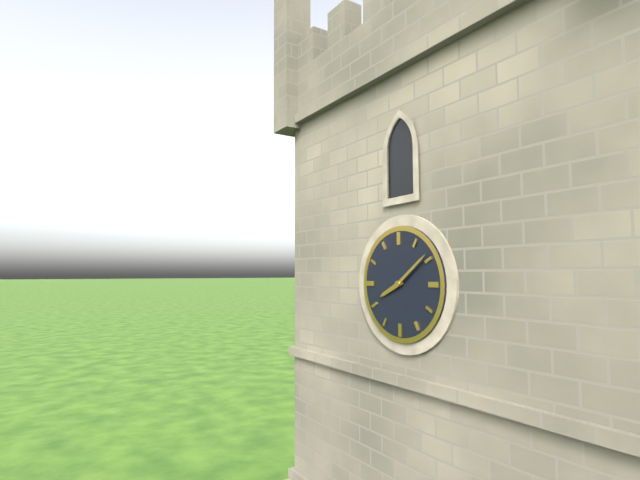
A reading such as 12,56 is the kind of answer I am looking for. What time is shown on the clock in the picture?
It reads 8,09
